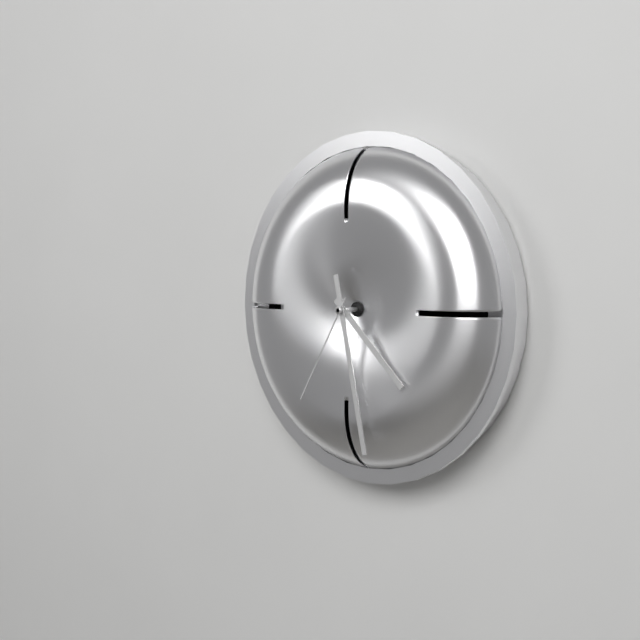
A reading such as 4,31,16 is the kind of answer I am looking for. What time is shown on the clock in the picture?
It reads 4,28,35
